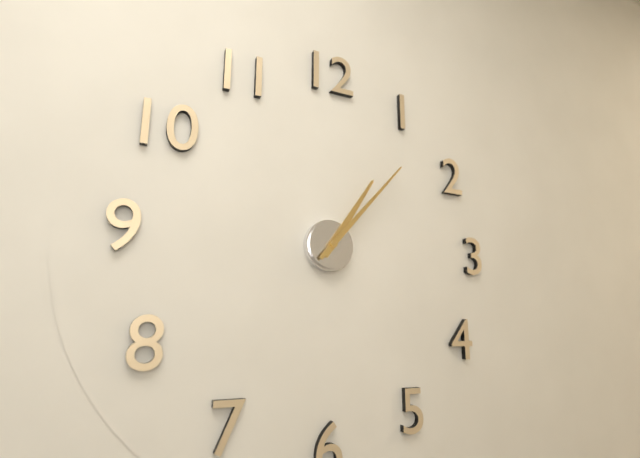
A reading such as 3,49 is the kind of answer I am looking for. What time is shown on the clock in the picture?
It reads 1,07
